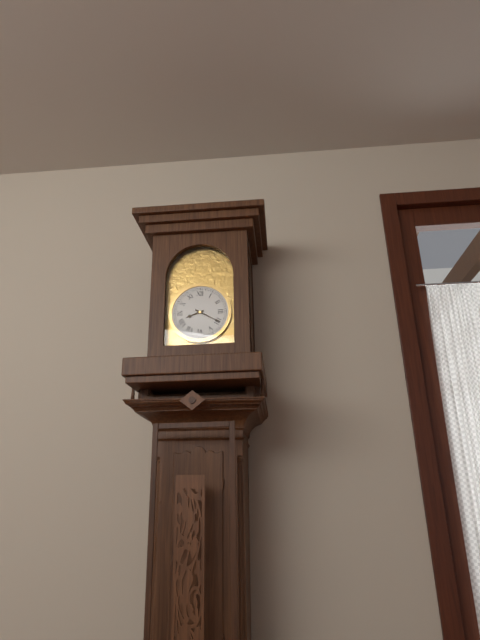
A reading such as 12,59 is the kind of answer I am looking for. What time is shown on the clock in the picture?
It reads 8,20
